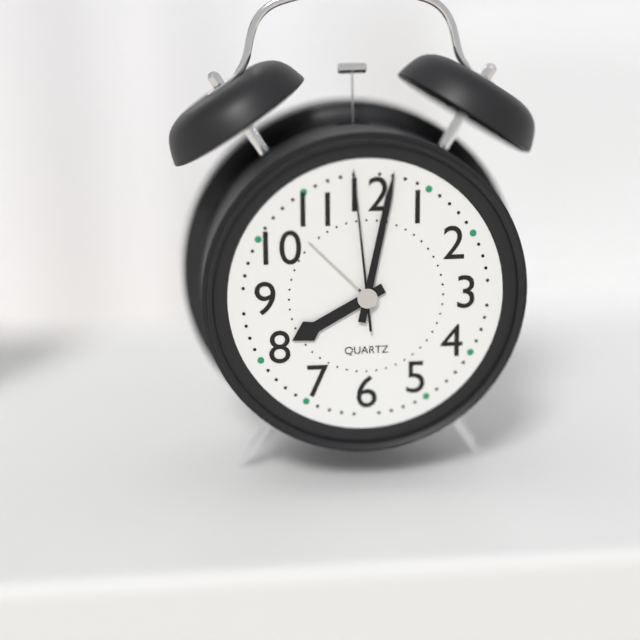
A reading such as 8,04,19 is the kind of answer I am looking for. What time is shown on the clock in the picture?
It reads 8,02,59
